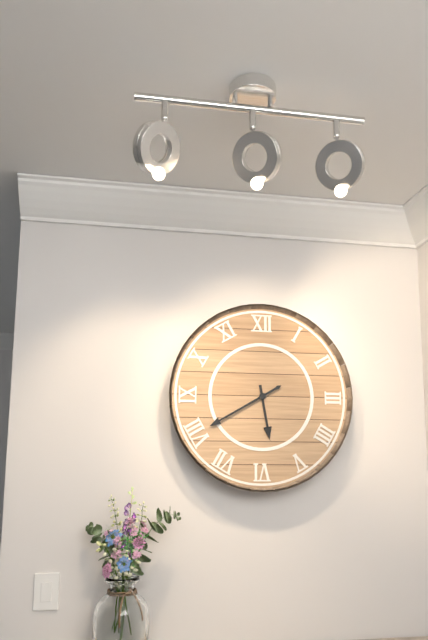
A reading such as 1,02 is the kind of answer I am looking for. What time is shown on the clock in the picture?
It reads 5,40
